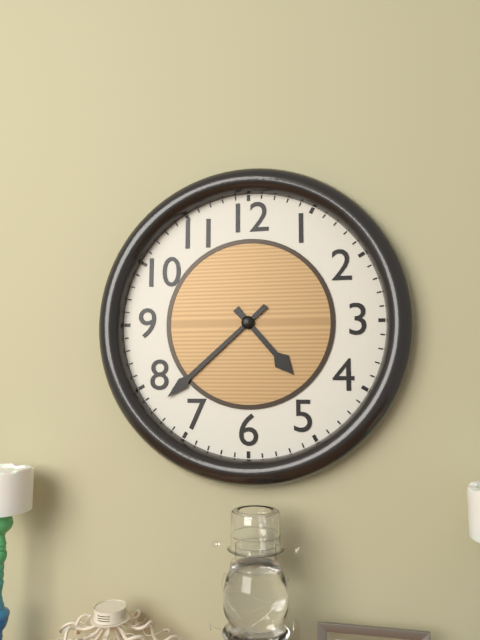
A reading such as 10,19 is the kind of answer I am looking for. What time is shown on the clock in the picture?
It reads 4,38
